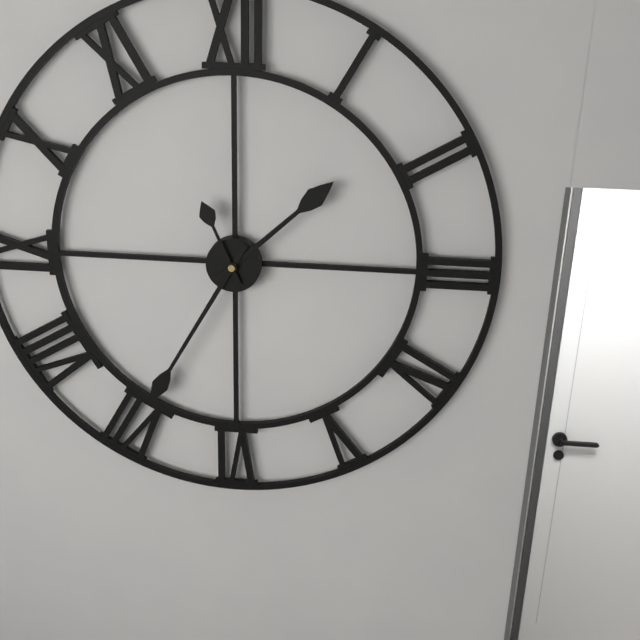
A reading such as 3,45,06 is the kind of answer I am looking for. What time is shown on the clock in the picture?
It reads 1,35,56
